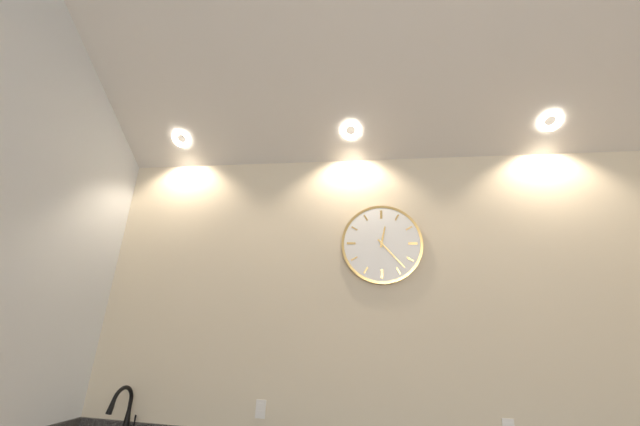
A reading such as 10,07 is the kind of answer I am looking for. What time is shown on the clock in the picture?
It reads 12,23
